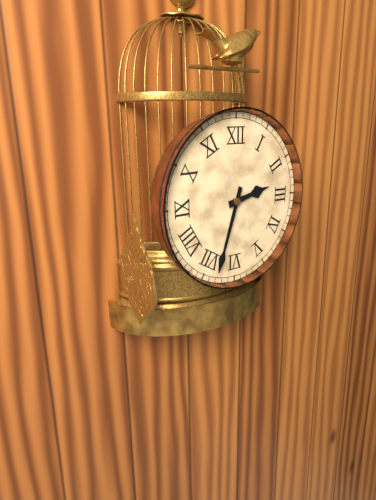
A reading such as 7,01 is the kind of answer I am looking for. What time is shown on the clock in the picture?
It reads 2,33
